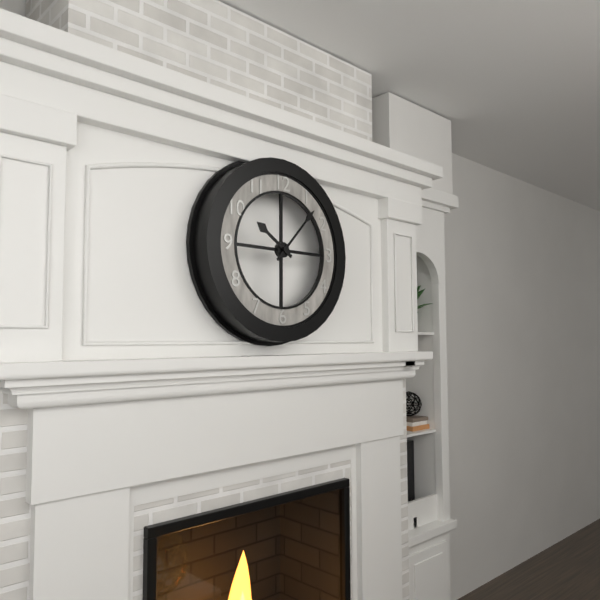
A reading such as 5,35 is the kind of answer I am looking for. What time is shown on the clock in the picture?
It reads 10,07
